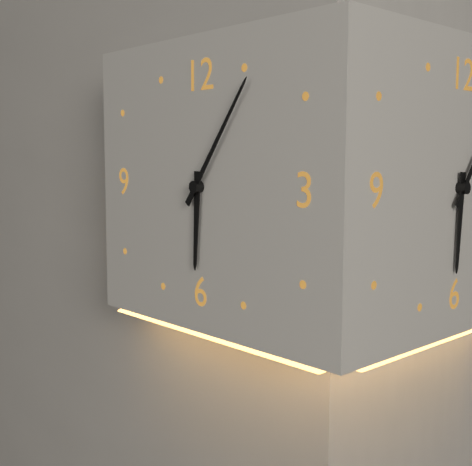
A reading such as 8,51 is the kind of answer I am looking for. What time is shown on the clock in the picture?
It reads 6,06
